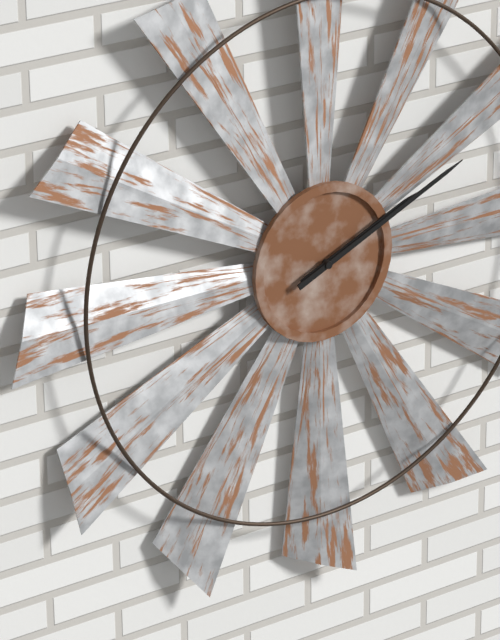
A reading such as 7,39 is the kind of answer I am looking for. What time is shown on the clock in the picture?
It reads 2,11
